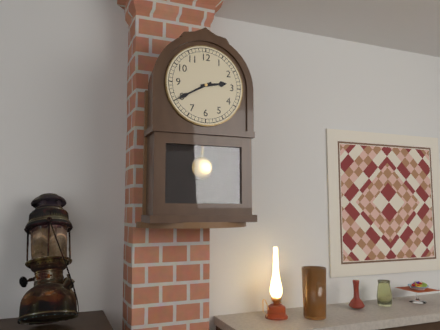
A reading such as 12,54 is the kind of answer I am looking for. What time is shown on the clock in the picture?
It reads 2,40
